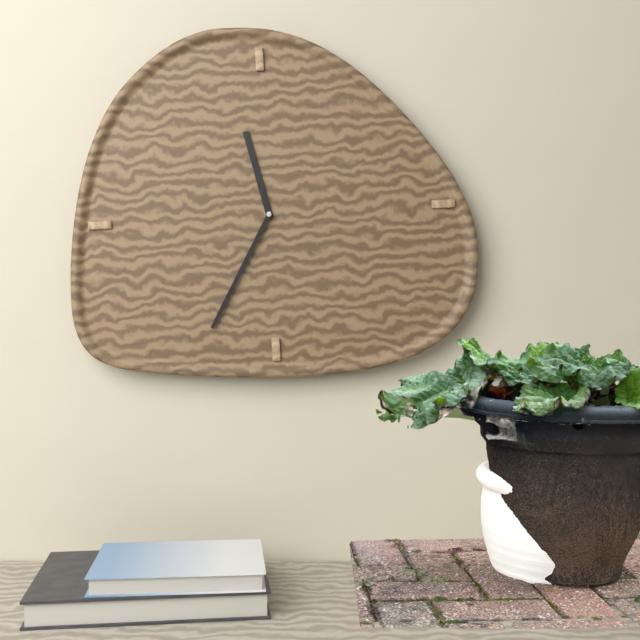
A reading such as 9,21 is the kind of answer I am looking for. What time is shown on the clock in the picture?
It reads 11,35
